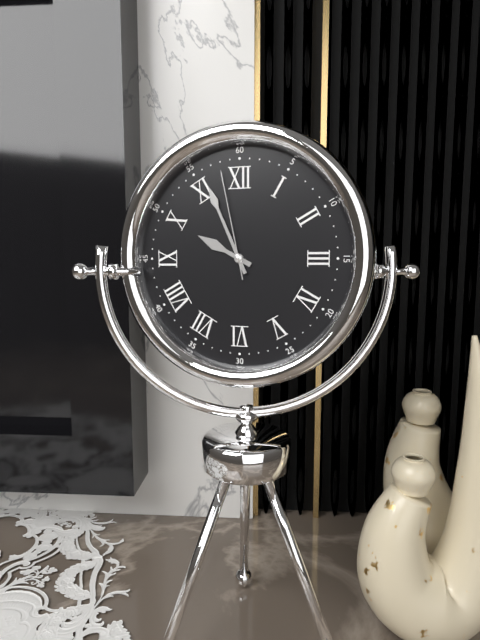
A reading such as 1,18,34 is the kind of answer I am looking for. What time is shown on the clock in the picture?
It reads 9,56,58
